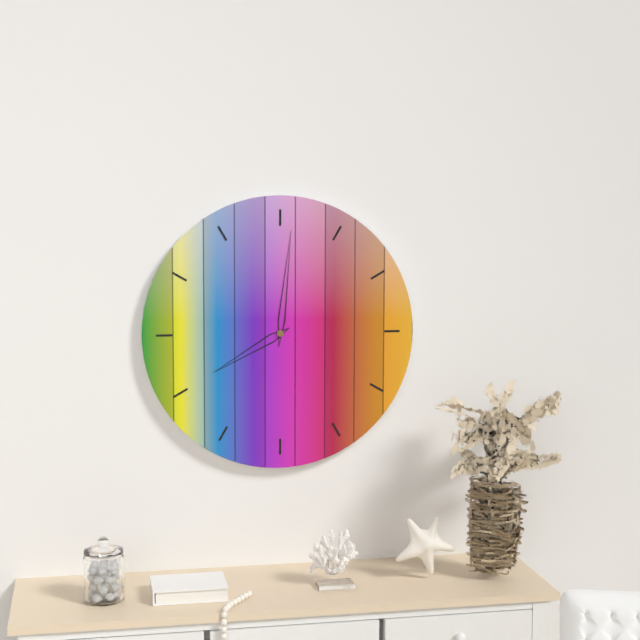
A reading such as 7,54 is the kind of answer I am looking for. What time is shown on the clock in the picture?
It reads 8,01
